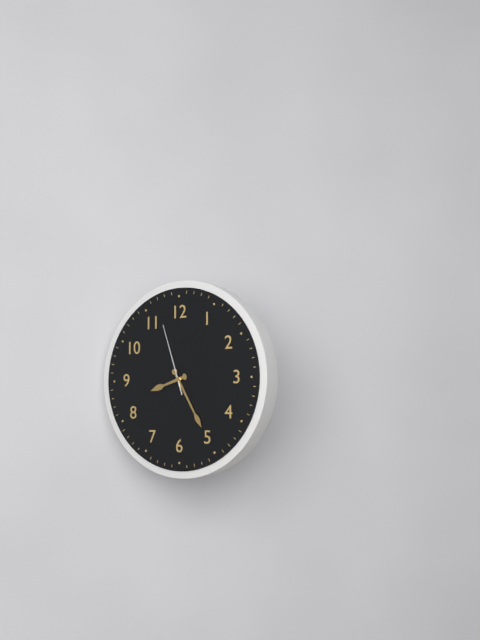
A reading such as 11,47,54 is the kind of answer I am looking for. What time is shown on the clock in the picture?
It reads 8,25,57
